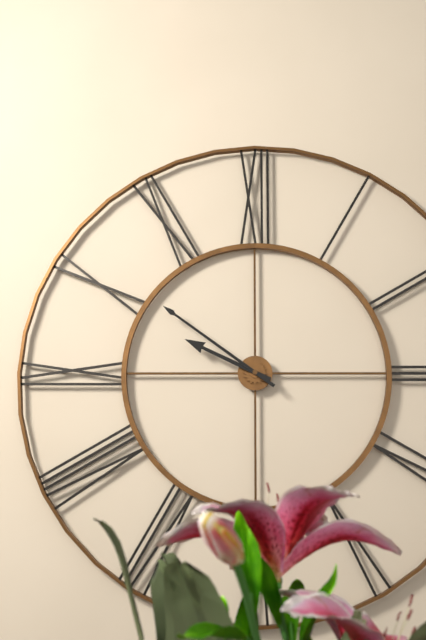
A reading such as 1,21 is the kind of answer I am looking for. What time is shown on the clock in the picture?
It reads 9,51
